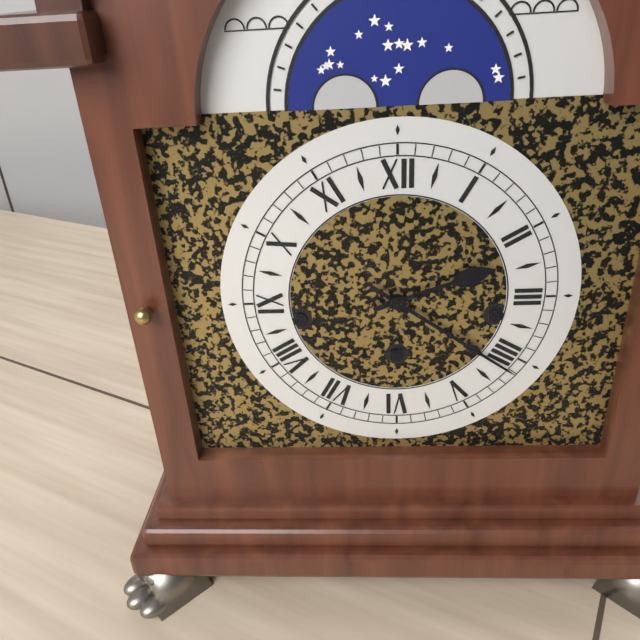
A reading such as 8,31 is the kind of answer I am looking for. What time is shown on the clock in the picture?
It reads 2,21
